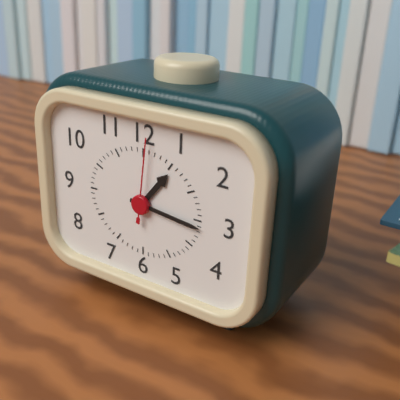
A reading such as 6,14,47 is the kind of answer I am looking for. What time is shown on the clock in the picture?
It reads 1,16,01
